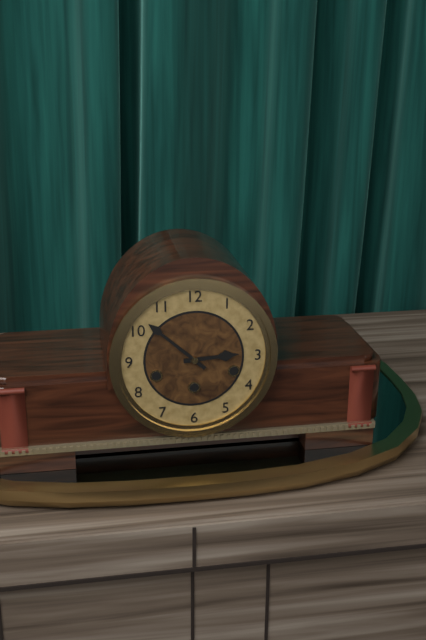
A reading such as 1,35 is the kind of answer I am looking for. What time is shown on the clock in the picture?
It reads 2,52
